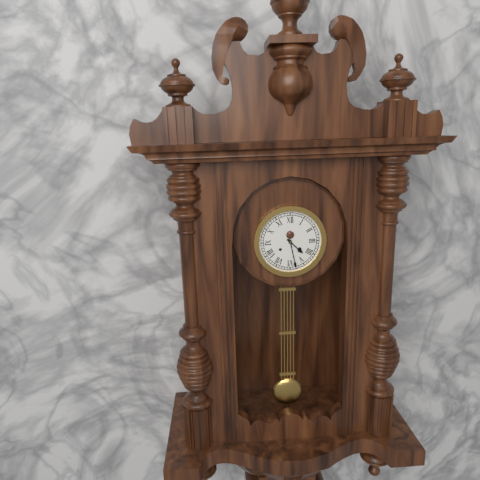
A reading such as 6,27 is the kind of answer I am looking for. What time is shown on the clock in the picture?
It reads 4,28
